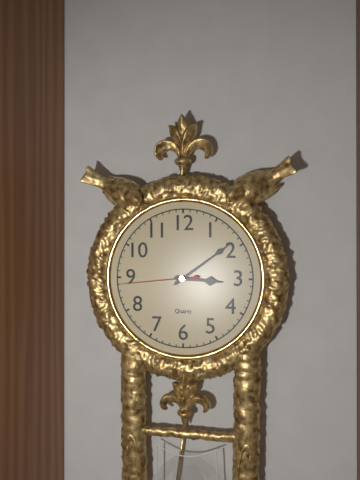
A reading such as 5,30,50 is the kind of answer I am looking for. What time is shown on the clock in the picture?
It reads 3,09,44
